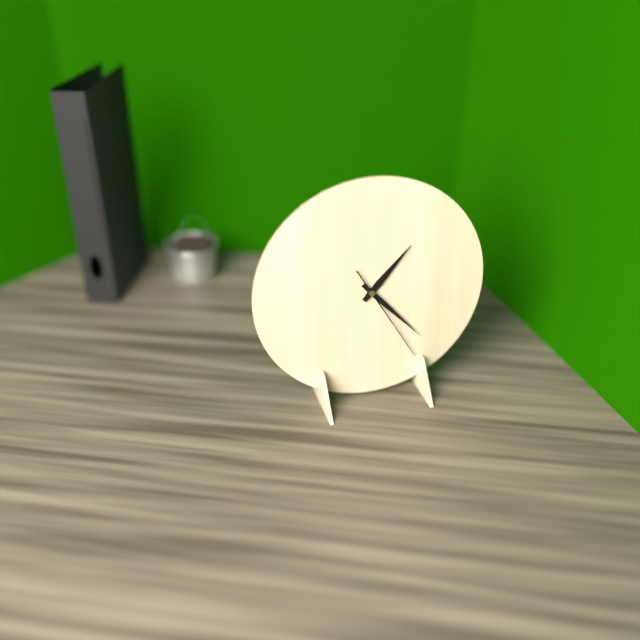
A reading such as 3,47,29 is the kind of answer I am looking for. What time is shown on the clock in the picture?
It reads 1,23,25
